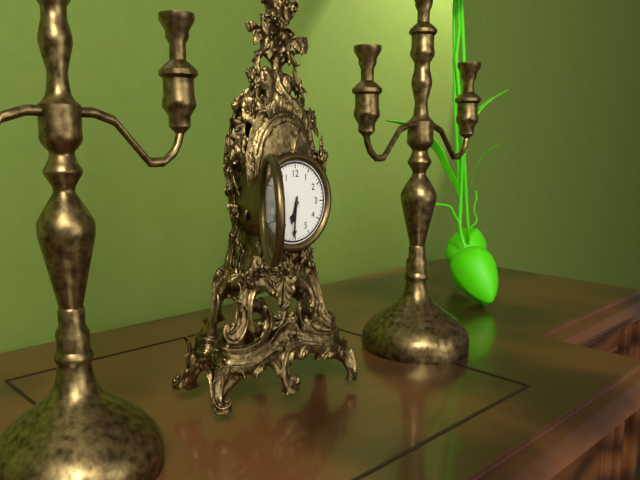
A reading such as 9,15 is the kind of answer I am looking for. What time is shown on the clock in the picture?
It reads 6,31
